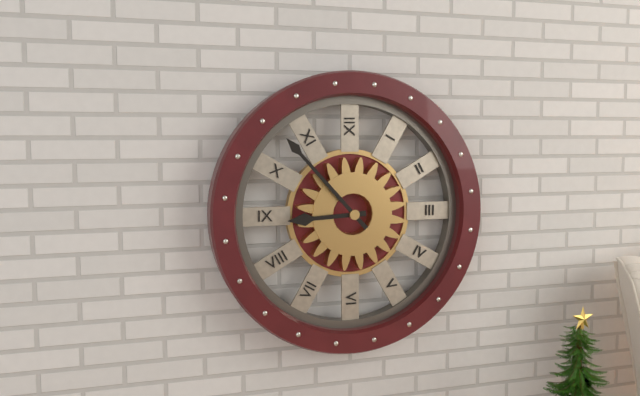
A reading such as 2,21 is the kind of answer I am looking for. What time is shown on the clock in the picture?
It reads 8,53
